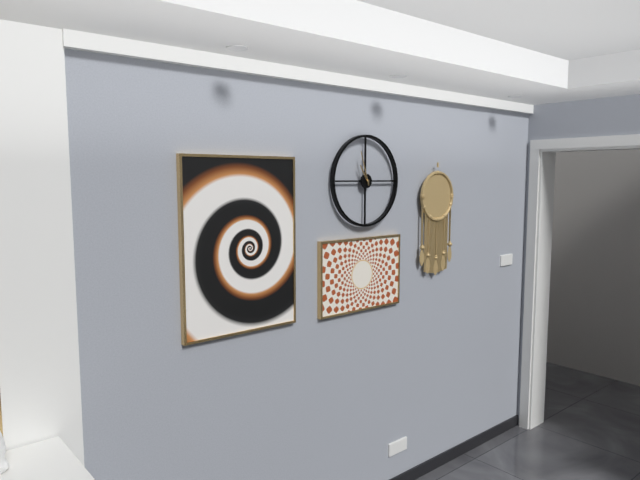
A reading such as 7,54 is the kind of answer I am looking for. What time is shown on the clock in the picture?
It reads 10,57
